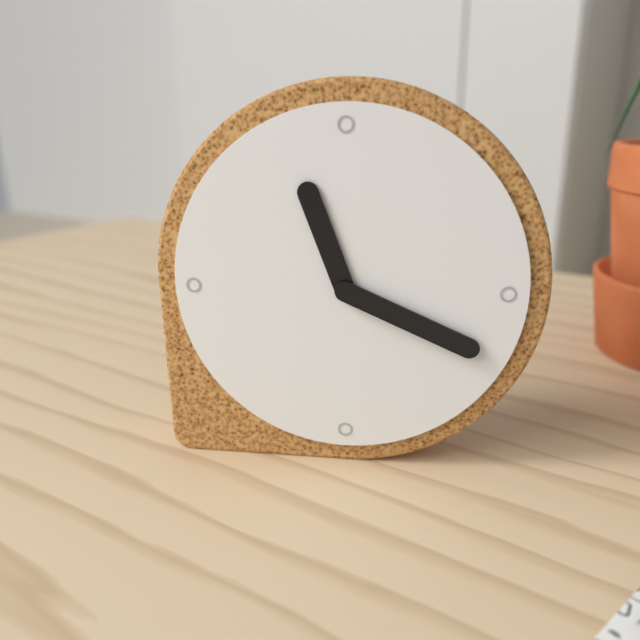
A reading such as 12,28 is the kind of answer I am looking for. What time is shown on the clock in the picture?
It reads 11,19
